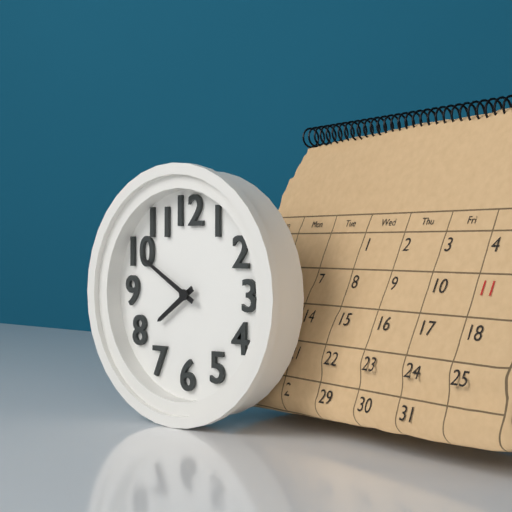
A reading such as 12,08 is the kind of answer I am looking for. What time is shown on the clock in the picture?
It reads 7,50
